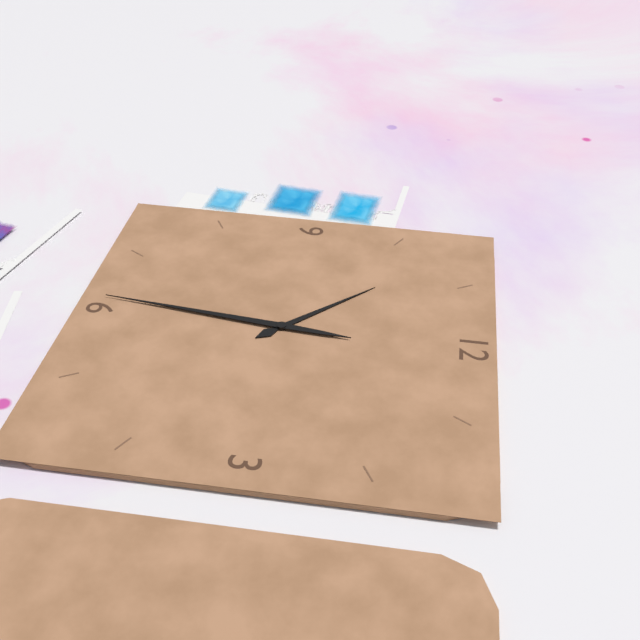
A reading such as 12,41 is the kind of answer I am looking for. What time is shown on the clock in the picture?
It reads 10,31
